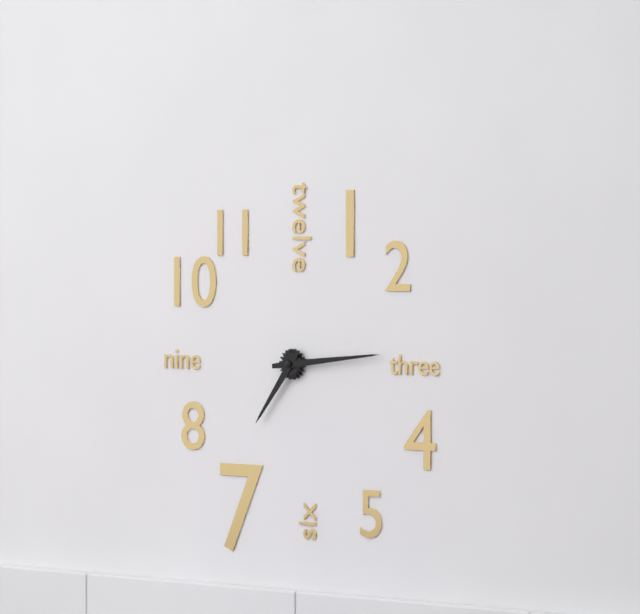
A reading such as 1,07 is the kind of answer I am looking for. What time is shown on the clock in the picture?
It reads 7,14
